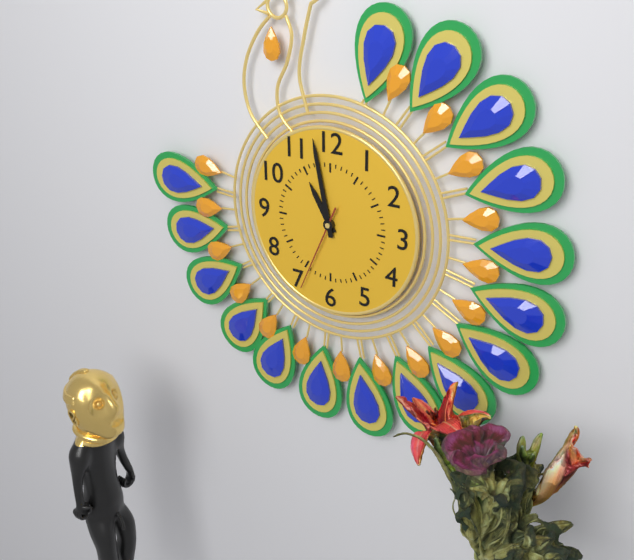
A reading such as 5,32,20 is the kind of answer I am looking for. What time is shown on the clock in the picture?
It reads 10,58,34
